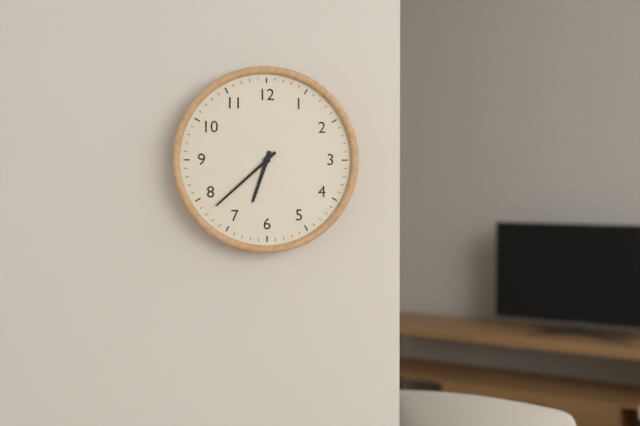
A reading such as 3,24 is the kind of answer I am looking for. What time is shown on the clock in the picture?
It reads 6,38
